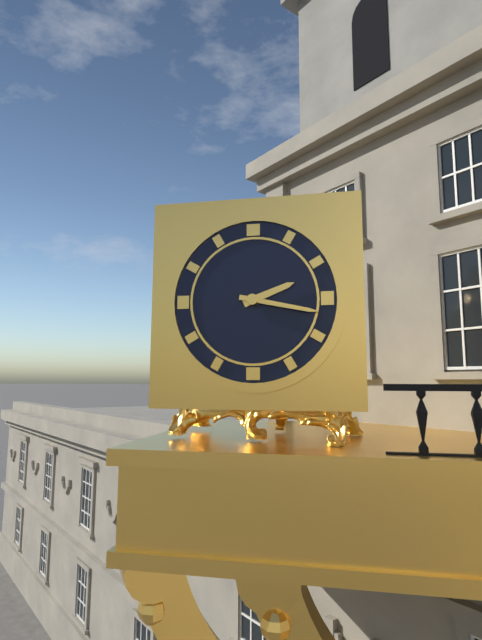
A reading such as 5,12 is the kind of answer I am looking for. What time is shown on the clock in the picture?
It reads 2,17
